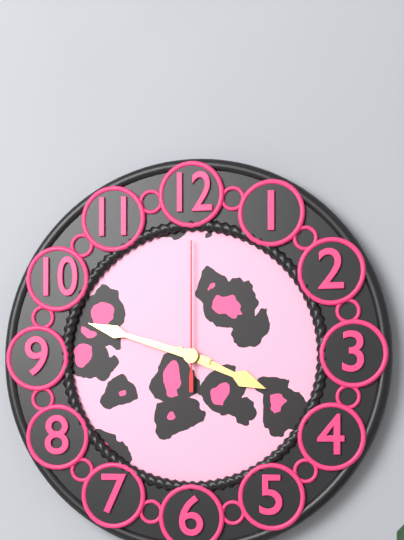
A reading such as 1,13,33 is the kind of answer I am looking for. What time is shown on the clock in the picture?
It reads 3,48,00
